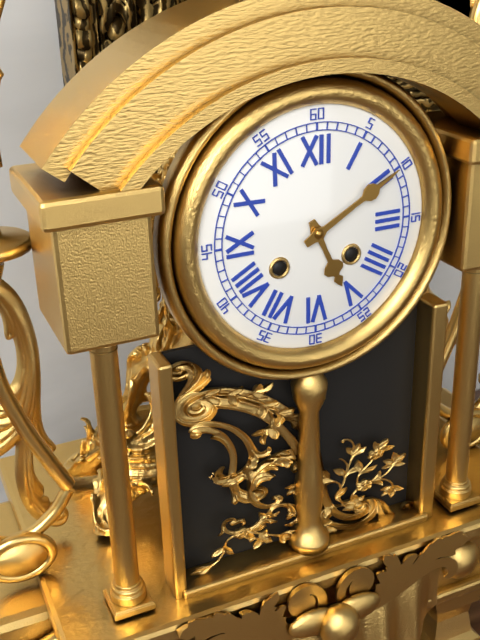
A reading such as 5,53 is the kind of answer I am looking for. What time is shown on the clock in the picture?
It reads 5,10
